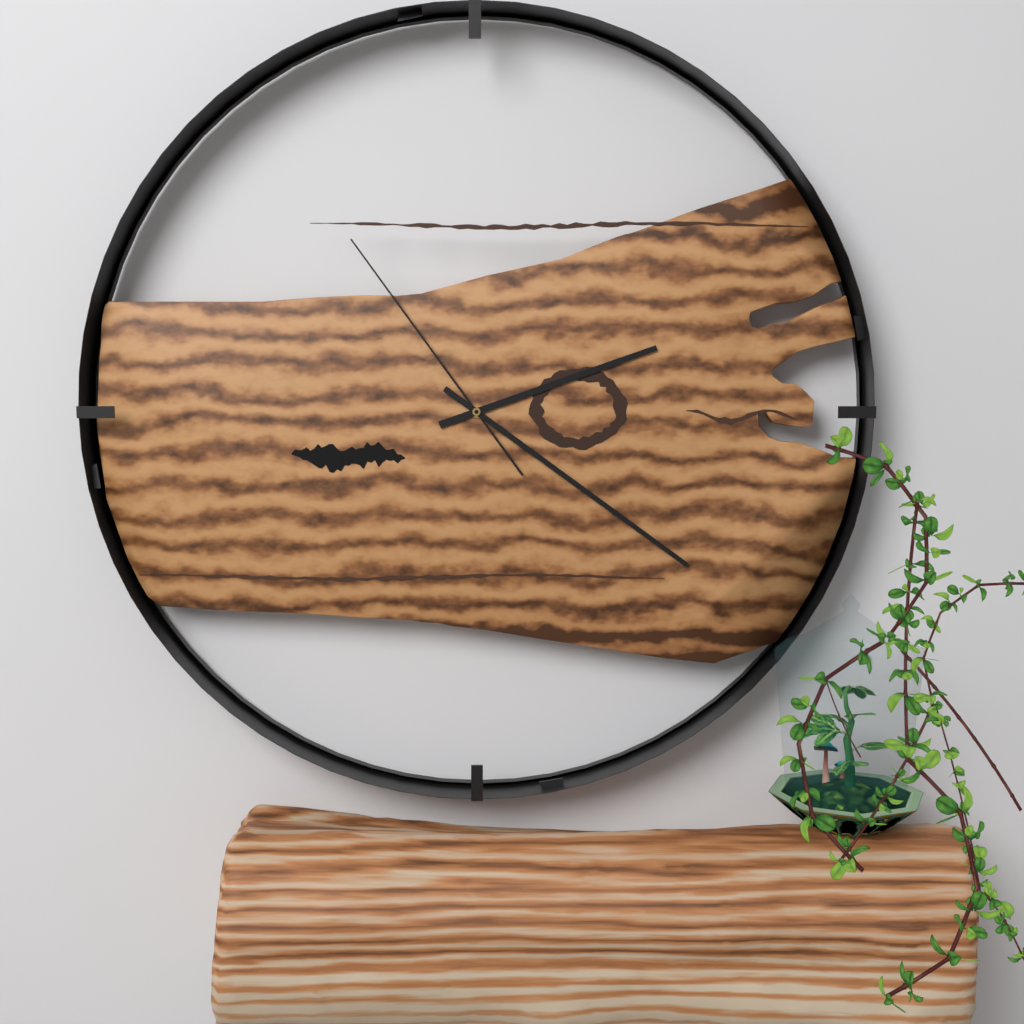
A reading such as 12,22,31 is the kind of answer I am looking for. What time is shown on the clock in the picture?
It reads 2,21,54
